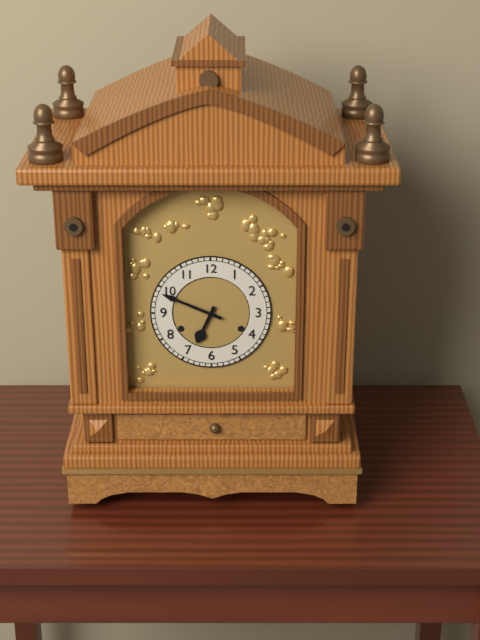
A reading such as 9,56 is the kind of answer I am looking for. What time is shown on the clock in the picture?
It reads 6,49
